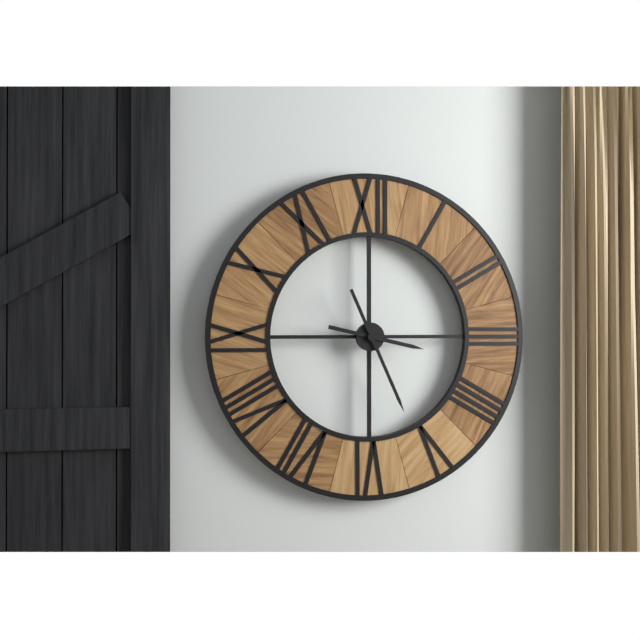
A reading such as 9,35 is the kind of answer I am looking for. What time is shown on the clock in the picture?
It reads 3,26
